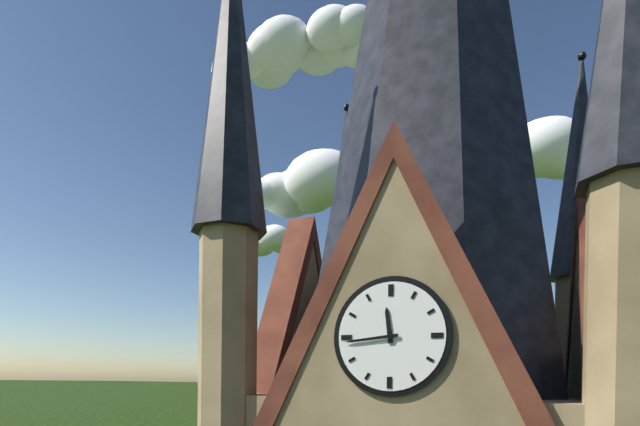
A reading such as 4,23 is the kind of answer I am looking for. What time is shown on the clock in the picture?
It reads 11,44
